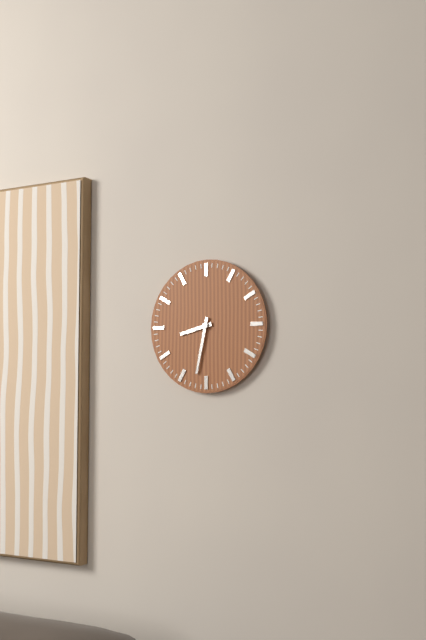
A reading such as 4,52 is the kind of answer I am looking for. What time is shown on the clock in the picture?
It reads 8,32
